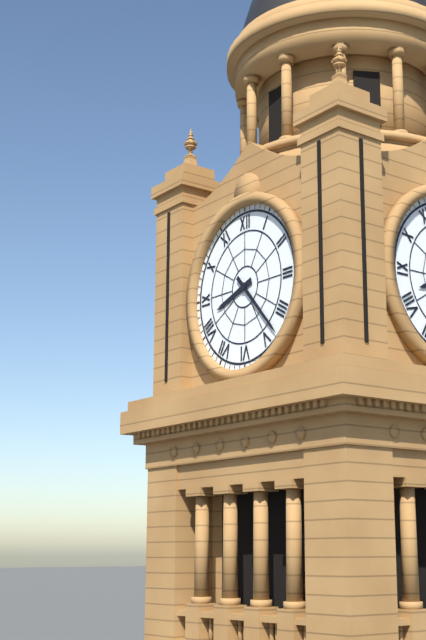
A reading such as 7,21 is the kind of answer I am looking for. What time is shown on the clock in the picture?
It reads 8,23
